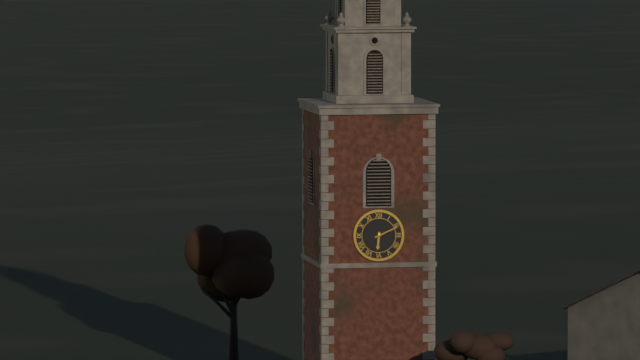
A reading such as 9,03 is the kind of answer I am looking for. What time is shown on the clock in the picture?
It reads 6,11
